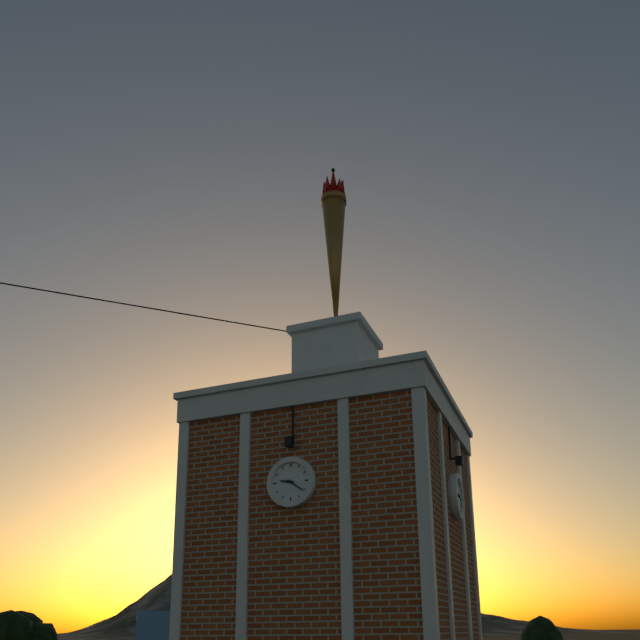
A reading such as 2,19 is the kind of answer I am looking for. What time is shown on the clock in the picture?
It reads 9,21
